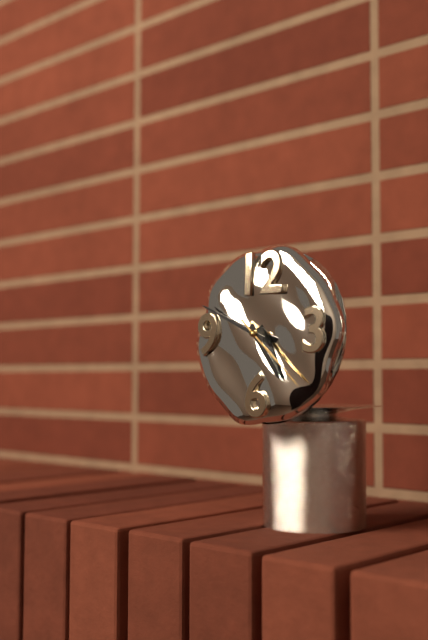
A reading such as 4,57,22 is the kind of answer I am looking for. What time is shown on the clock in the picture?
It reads 4,49,22
